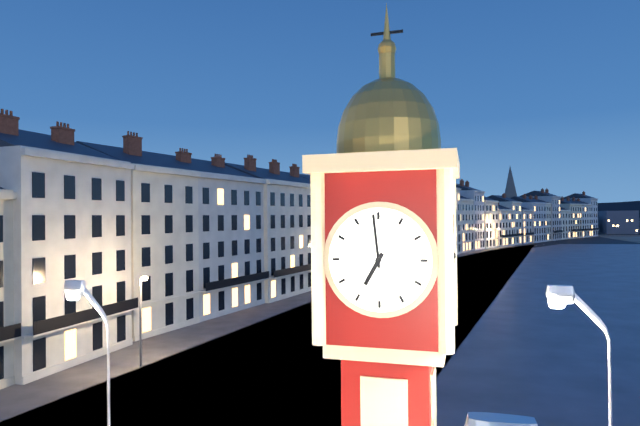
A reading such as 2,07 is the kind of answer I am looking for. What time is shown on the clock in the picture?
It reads 6,59
